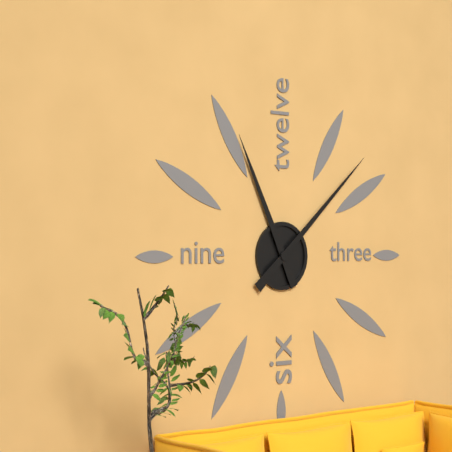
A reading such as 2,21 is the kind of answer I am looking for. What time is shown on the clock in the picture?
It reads 11,08
